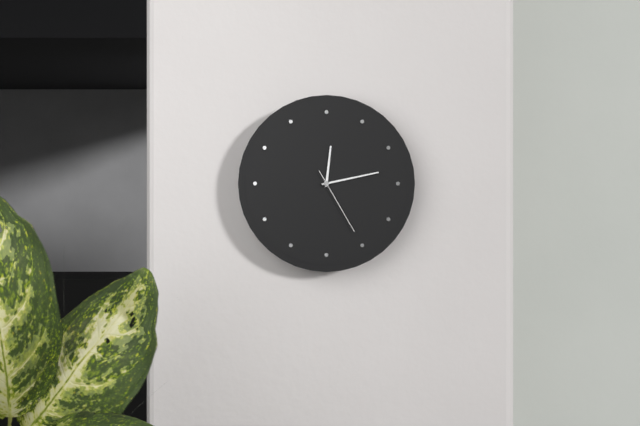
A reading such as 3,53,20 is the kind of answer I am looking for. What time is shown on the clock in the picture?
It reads 12,13,25
